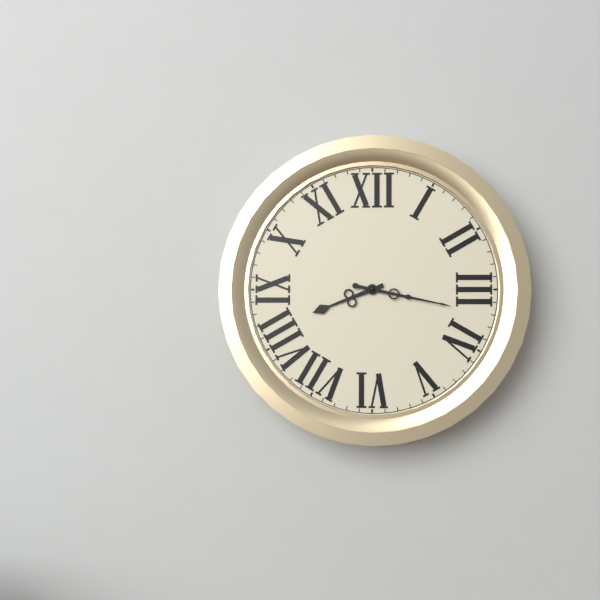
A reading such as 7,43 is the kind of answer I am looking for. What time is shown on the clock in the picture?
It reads 8,17
